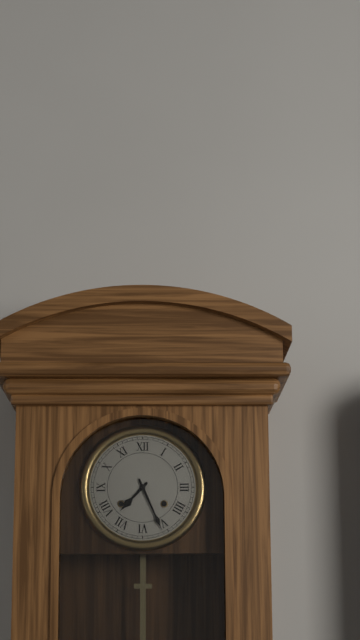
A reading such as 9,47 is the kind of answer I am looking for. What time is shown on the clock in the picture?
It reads 7,26
